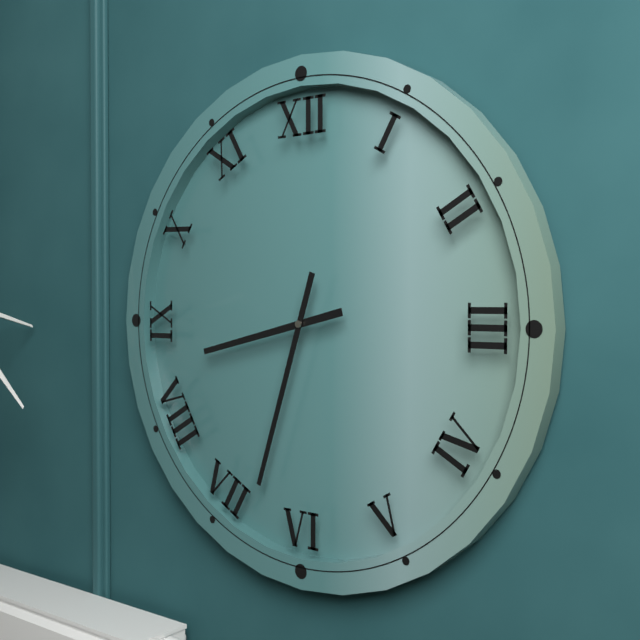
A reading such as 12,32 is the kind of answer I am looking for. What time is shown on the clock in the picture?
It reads 8,33
